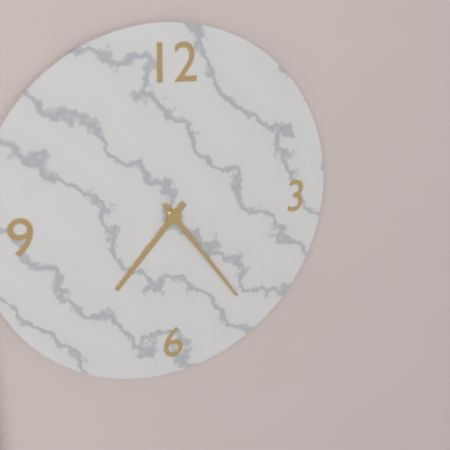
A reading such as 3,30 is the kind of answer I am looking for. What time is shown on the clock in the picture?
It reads 7,24
